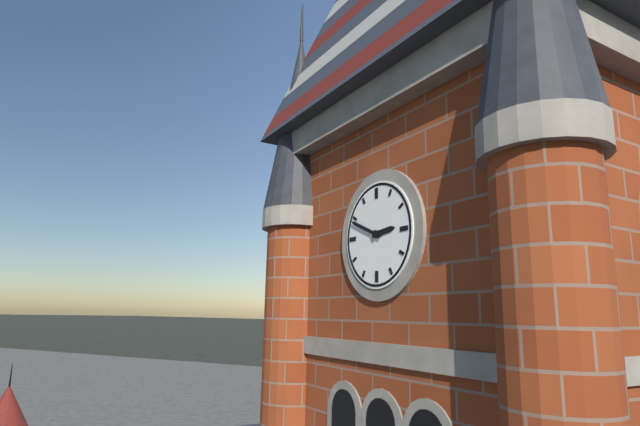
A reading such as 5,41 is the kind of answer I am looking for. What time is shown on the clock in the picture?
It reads 2,49
